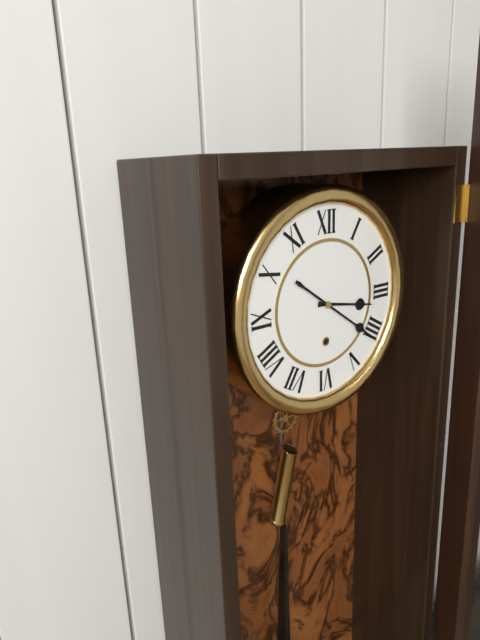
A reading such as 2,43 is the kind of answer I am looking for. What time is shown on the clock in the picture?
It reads 3,21
